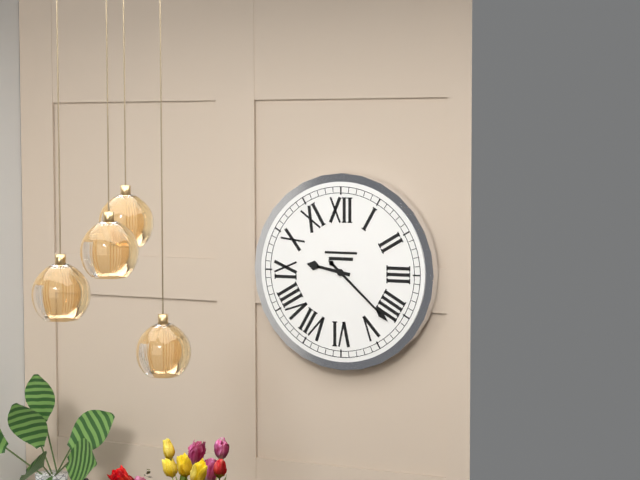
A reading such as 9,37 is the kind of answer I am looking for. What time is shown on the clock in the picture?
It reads 9,22
